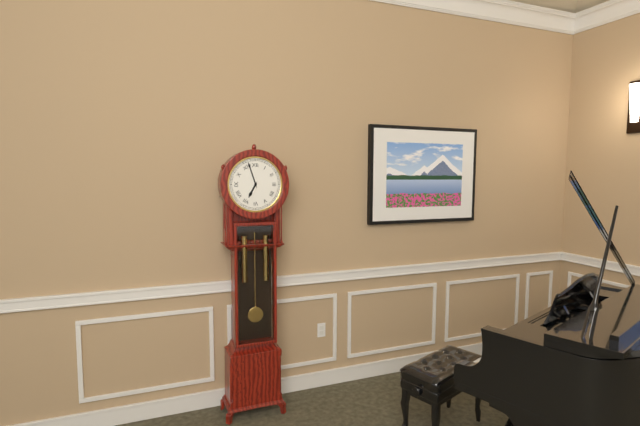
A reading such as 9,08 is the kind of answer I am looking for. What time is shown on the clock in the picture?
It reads 6,57
